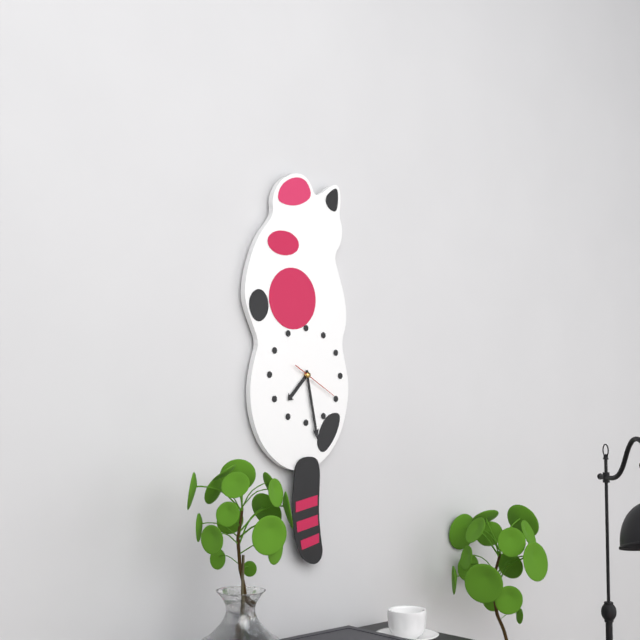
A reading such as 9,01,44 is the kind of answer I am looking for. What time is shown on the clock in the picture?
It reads 7,28,20
